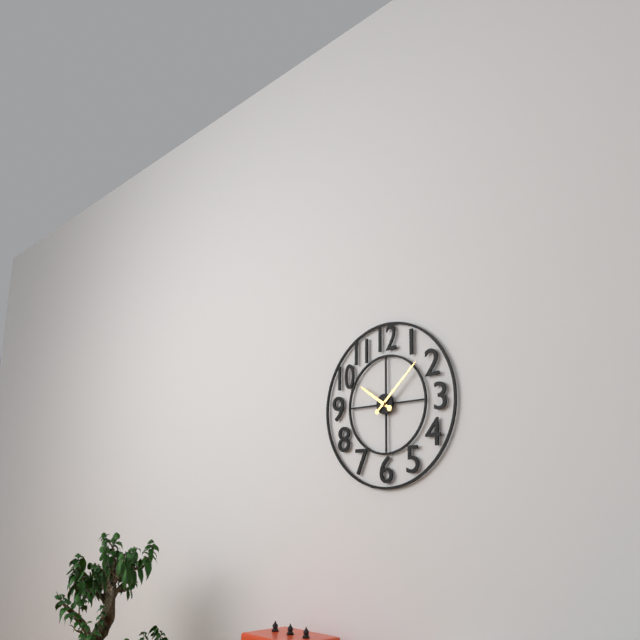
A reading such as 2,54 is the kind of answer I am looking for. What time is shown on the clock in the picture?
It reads 10,08
